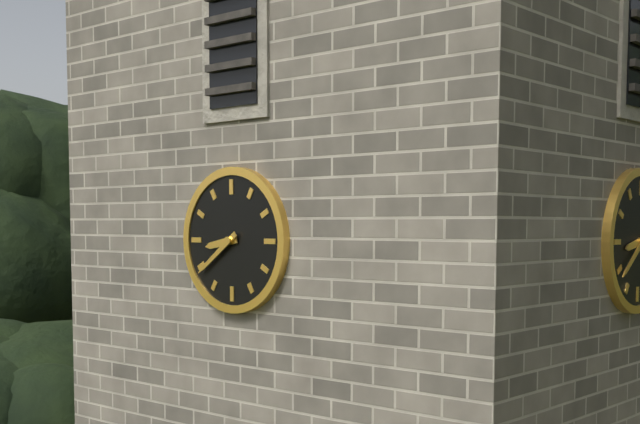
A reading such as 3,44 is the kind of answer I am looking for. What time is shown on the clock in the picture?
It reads 8,39
